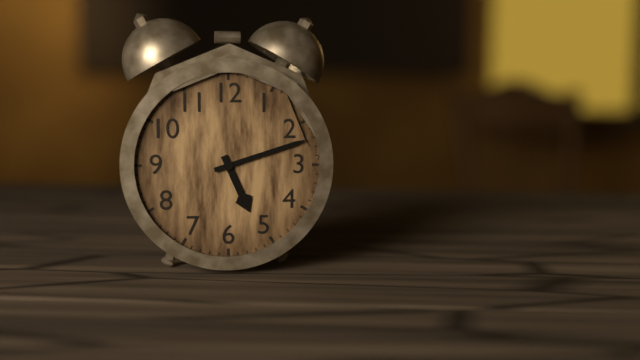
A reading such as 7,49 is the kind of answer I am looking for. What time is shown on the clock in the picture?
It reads 5,12
